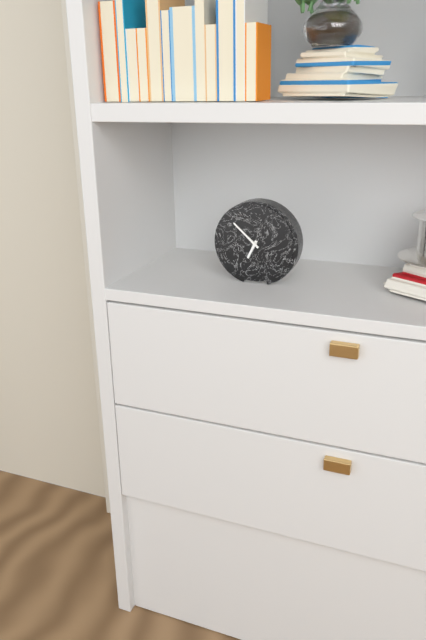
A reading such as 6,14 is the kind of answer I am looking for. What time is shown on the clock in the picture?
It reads 6,52
